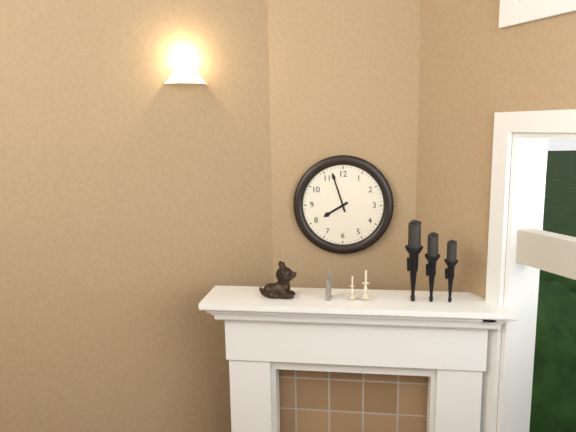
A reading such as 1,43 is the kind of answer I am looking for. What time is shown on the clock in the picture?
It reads 7,57
